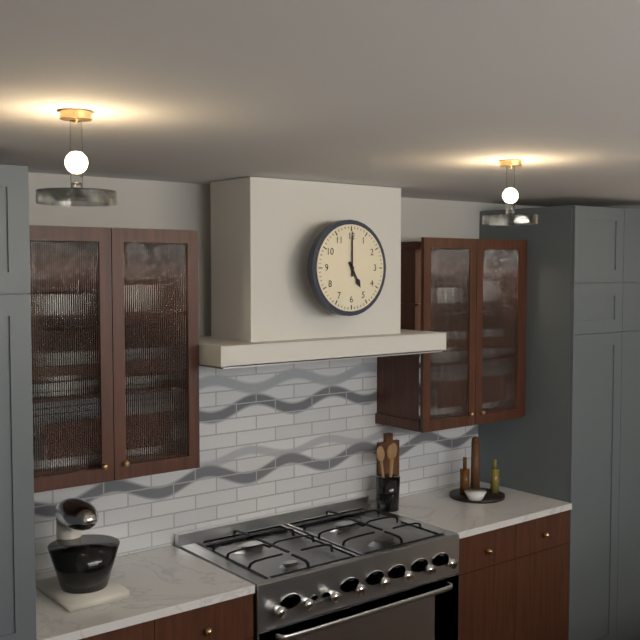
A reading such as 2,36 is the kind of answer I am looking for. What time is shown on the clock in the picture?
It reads 5,00
